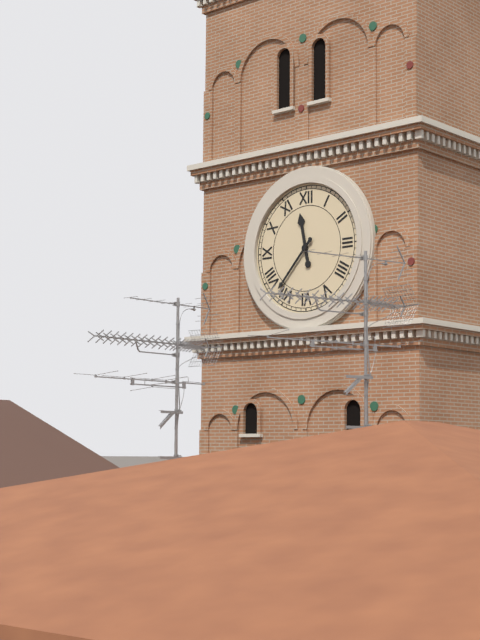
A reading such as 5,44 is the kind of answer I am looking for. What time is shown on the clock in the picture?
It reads 11,37
